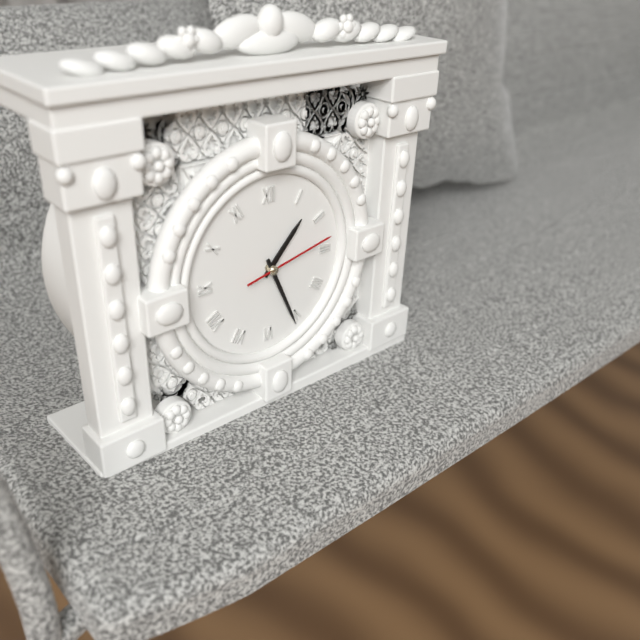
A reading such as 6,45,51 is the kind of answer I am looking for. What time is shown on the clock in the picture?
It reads 1,26,13
